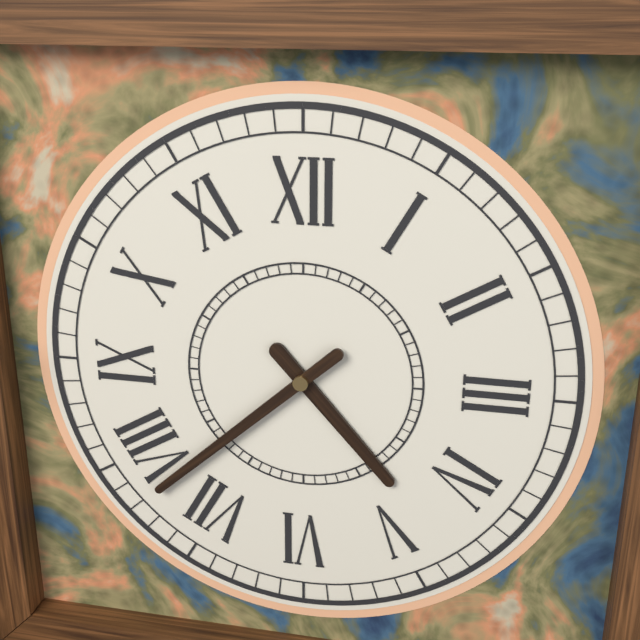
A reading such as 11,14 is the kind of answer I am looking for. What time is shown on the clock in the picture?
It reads 4,38
